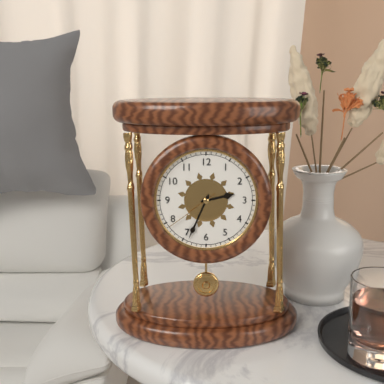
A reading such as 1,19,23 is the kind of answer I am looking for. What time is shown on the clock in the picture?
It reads 2,34,39
